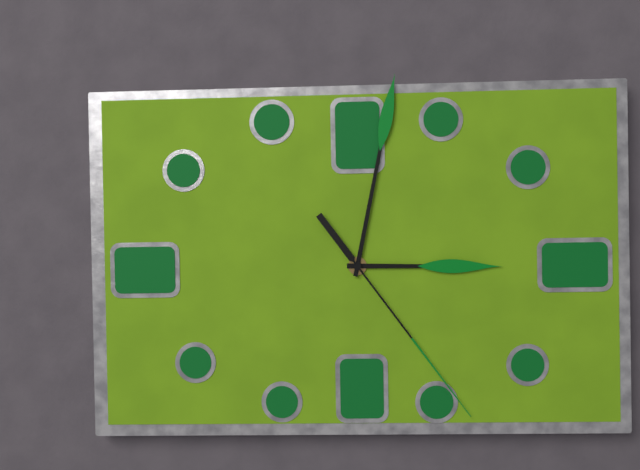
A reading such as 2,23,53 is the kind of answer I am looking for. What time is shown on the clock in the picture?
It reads 3,02,24
